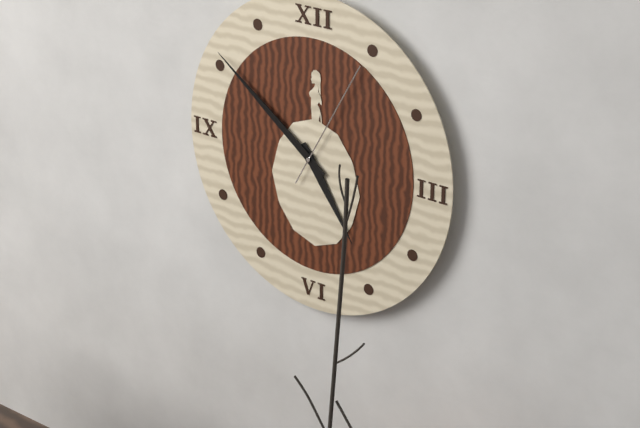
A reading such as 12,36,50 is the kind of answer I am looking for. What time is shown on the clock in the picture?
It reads 4,51,05
